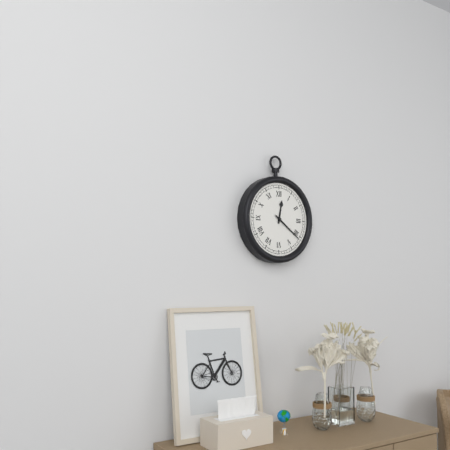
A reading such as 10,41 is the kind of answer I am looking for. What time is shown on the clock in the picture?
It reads 12,21
